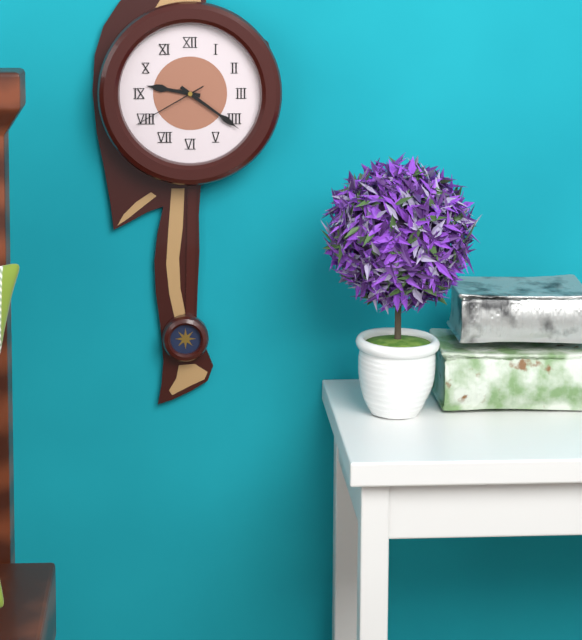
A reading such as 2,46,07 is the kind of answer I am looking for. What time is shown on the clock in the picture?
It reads 9,21,40
